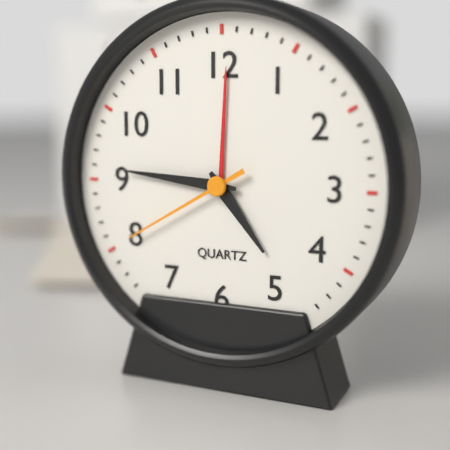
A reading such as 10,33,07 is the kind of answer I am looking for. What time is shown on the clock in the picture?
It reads 4,46,40
